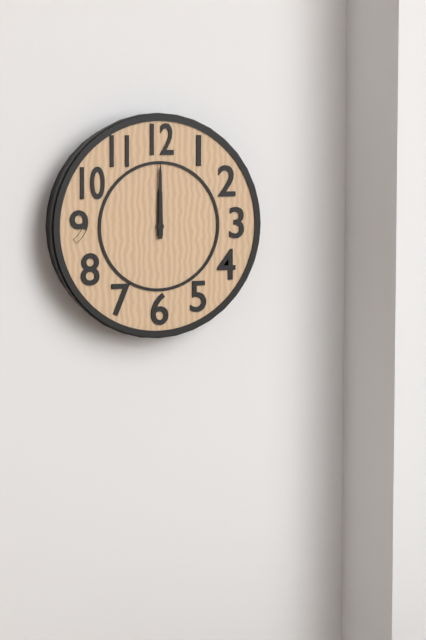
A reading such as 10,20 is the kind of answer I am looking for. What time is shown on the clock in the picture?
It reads 12,00
